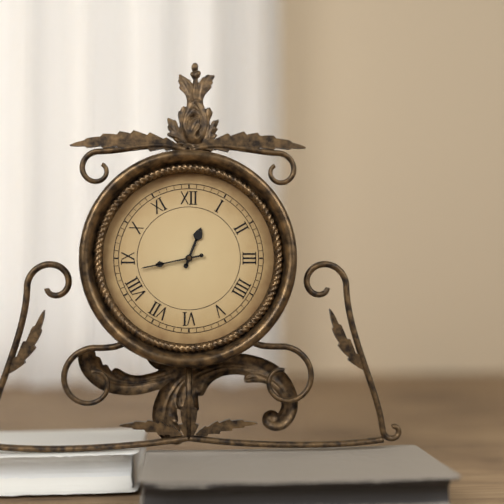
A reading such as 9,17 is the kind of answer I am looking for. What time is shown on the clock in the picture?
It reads 12,43
